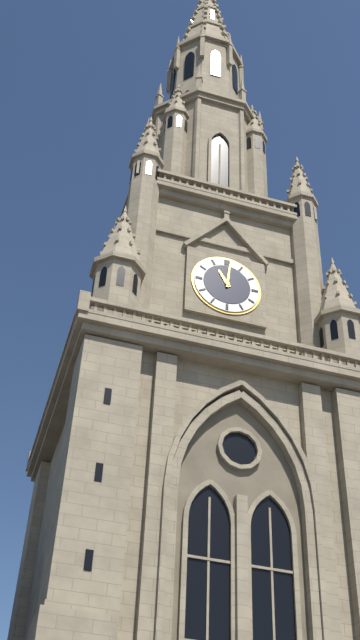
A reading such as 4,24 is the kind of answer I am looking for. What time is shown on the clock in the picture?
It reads 11,01
